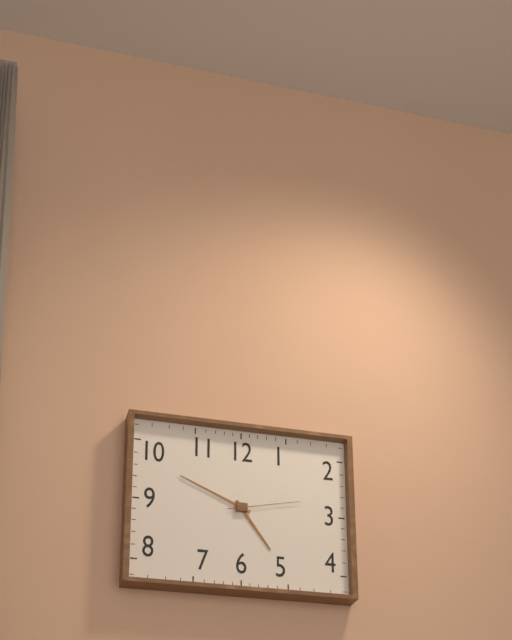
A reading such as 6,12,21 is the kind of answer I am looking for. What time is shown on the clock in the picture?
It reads 4,49,13
